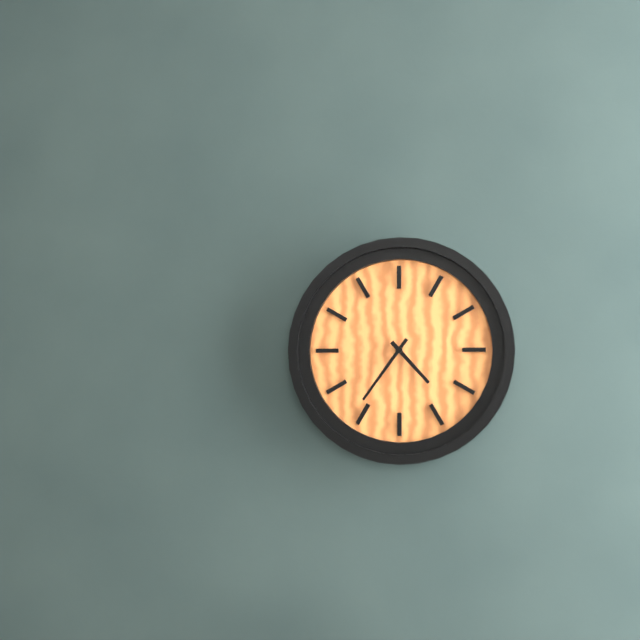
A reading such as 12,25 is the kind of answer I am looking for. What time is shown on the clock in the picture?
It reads 4,36
